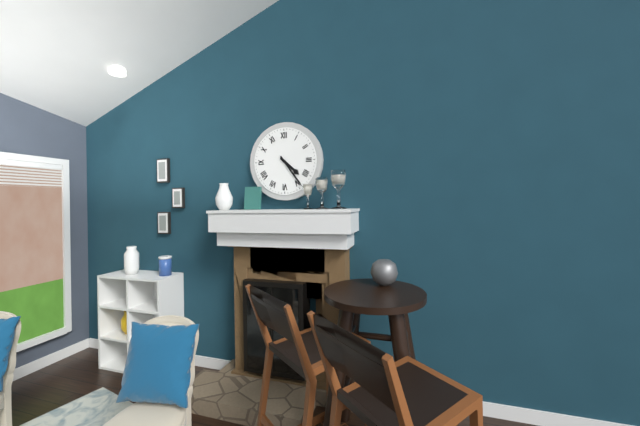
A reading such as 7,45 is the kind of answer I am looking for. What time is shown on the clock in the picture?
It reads 4,24
